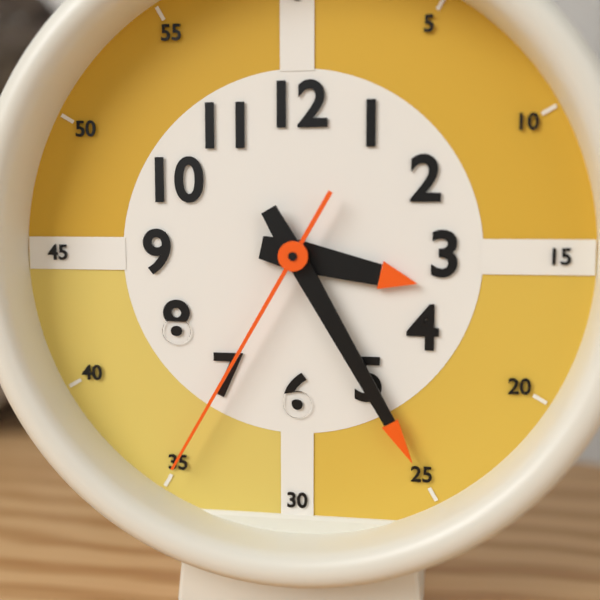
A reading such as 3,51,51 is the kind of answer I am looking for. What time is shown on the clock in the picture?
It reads 3,25,35
